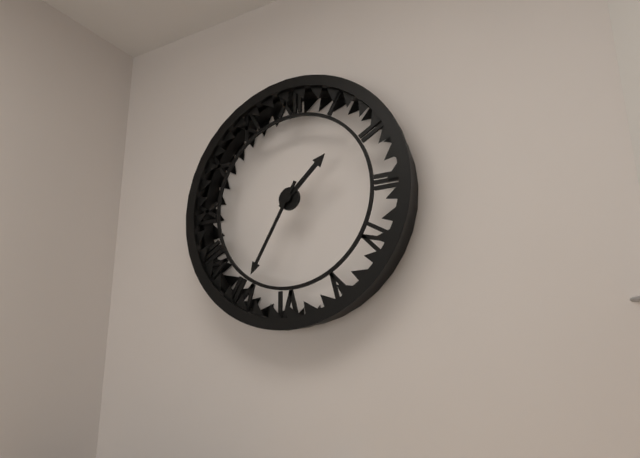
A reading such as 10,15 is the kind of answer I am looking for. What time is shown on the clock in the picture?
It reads 1,35
